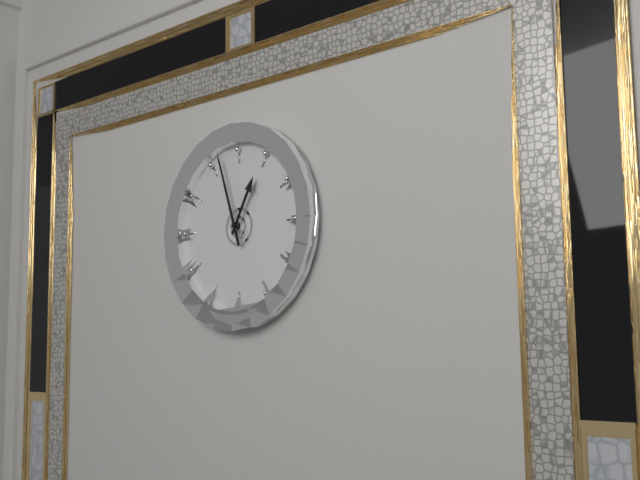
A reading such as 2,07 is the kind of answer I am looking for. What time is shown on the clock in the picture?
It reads 12,57
